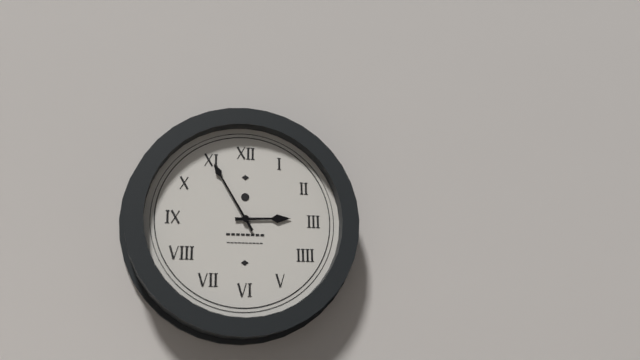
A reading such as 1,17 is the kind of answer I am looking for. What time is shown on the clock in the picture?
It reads 2,55
